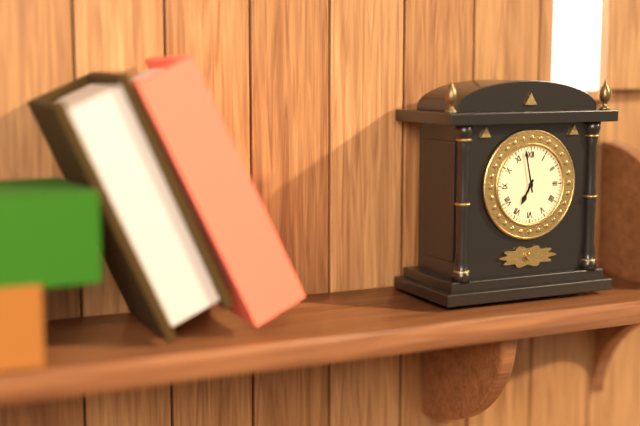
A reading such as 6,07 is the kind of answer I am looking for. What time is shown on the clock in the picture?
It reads 6,58
